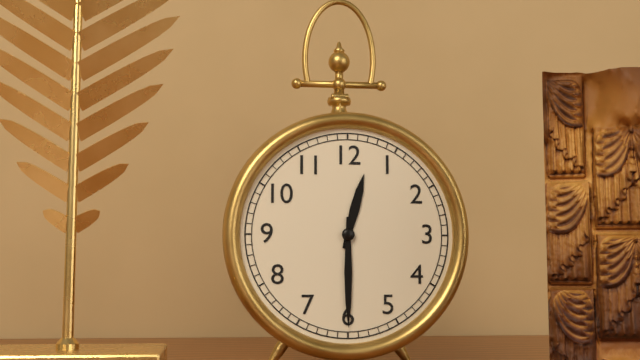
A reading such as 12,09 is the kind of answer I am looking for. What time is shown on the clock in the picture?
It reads 12,30
